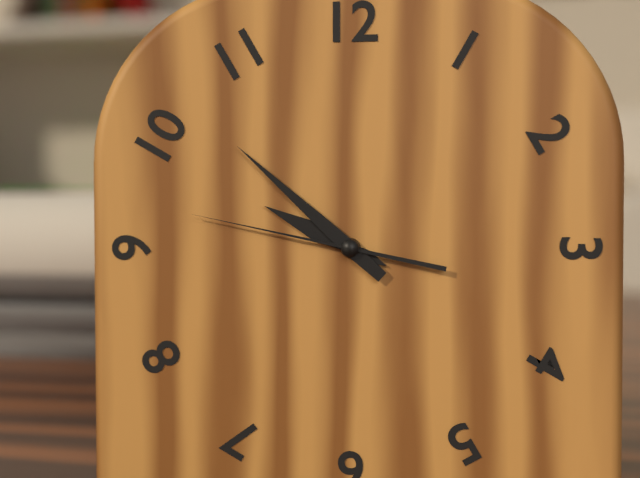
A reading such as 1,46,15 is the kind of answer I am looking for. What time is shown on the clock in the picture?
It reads 9,52,47
